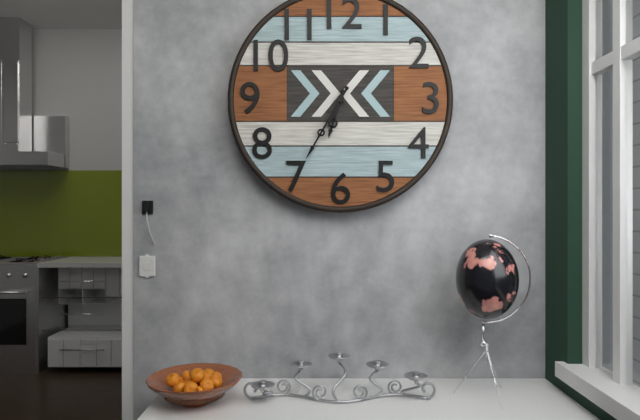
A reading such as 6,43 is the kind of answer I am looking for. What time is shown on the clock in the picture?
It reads 6,35
